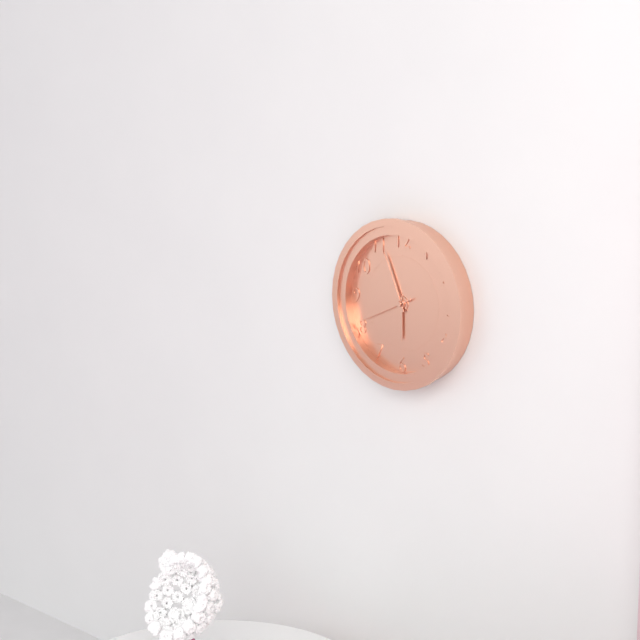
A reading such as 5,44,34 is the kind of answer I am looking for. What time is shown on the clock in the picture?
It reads 5,56,41
